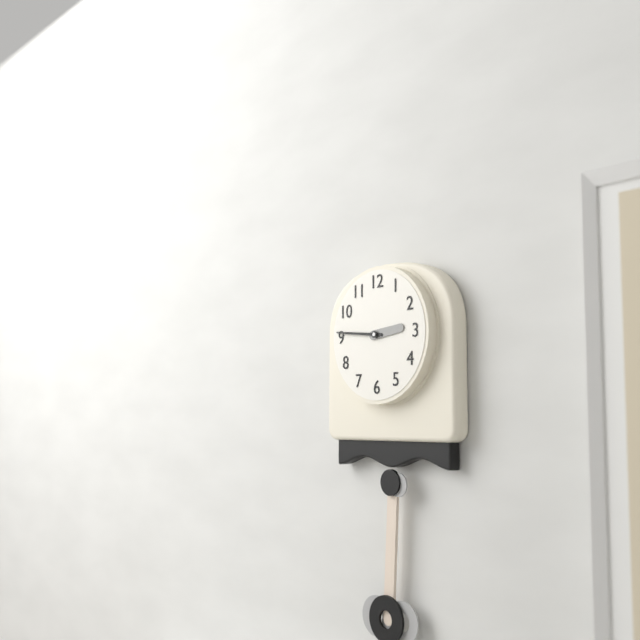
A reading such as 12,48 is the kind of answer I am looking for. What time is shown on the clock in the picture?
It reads 2,46
